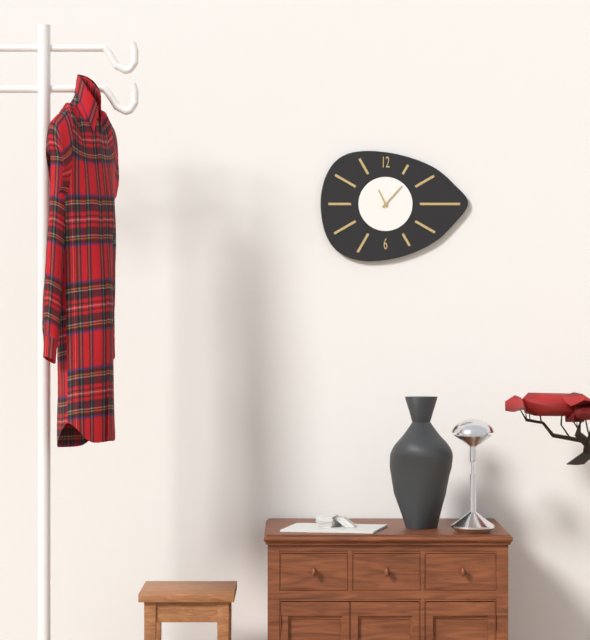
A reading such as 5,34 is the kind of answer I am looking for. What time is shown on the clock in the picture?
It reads 11,07
